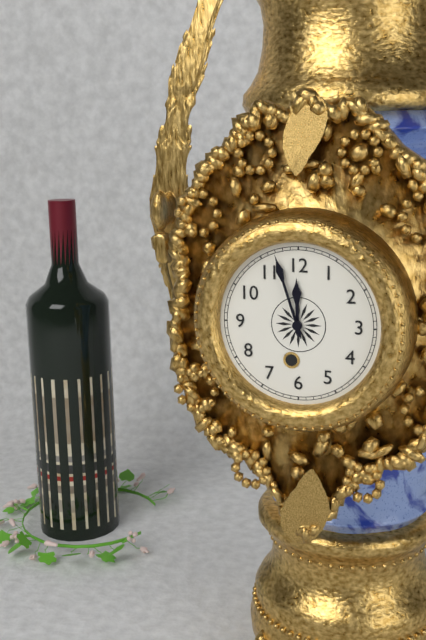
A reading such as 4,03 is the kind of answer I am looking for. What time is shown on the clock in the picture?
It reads 11,57
